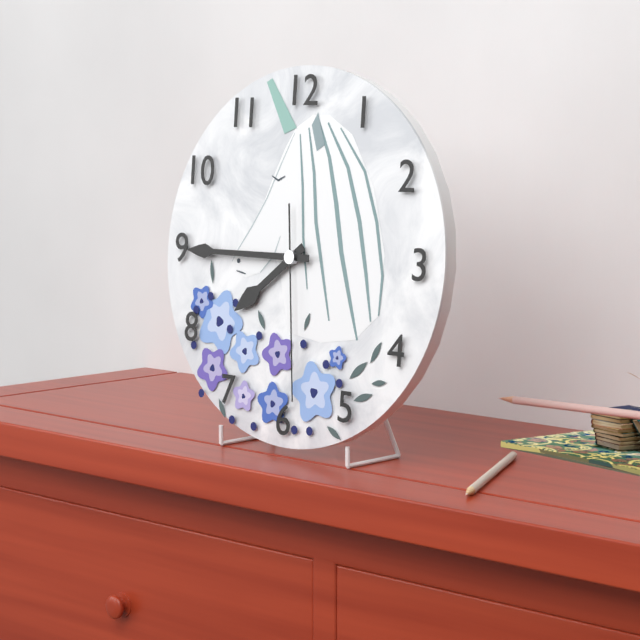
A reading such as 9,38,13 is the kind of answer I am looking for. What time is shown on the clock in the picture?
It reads 7,45,29
